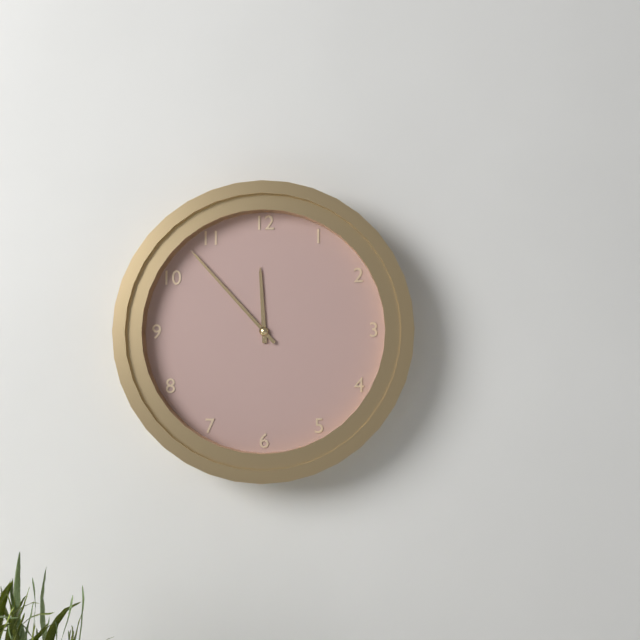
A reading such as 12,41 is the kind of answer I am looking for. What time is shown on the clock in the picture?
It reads 11,53
